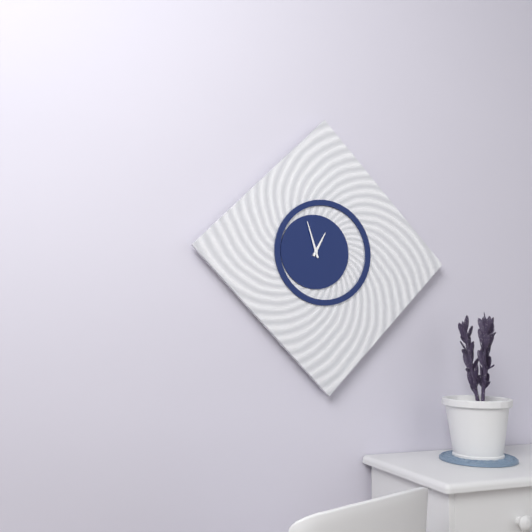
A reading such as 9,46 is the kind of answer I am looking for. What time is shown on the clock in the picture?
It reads 12,57
